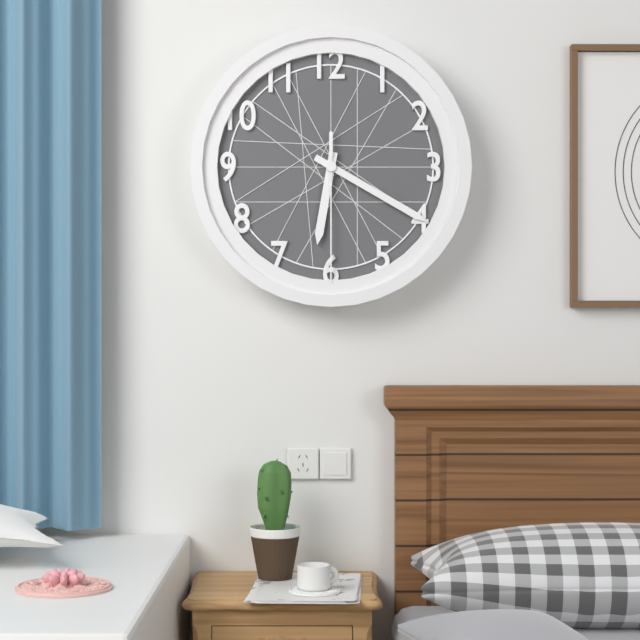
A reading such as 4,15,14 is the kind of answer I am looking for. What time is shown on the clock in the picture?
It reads 6,20,30
